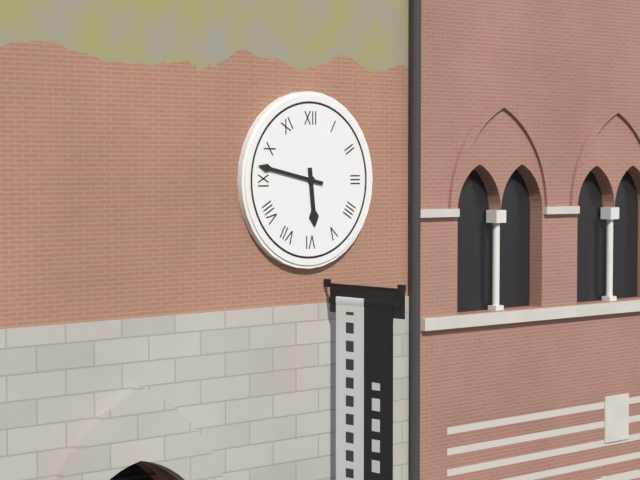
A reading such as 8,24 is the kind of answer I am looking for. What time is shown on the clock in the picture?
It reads 5,47
